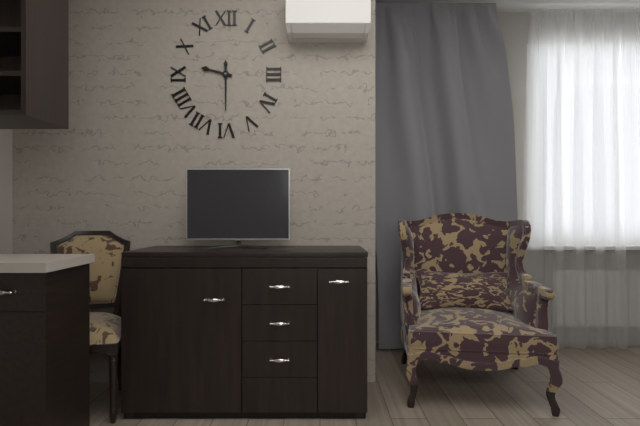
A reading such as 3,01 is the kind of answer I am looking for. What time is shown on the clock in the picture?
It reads 9,30
